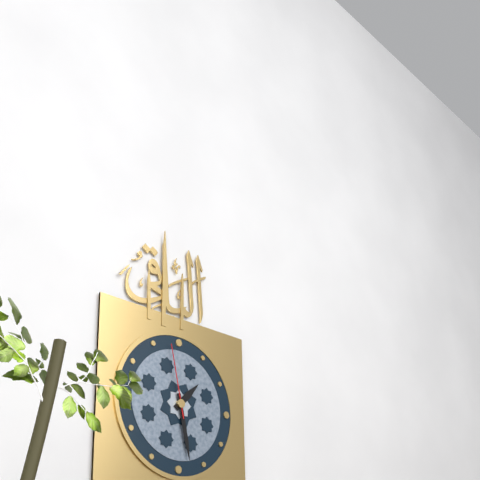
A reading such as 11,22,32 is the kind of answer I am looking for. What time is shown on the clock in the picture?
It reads 1,28,58
